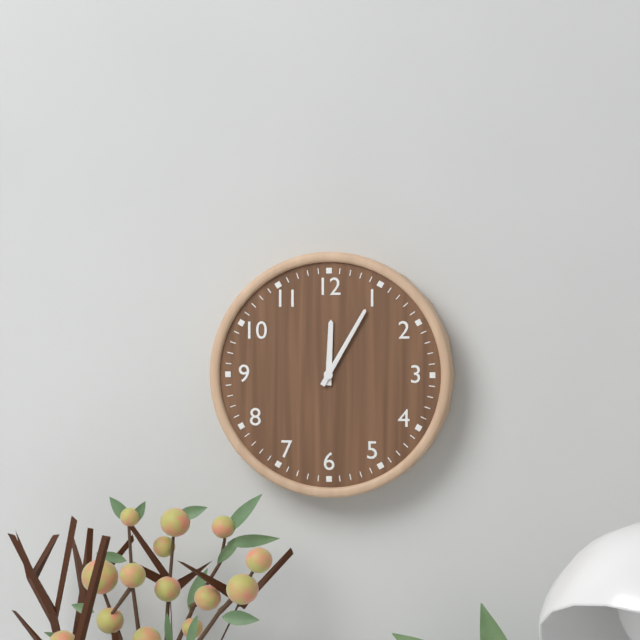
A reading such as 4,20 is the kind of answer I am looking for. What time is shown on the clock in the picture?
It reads 12,05
